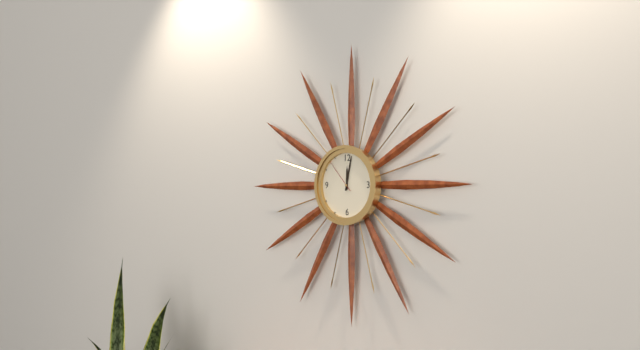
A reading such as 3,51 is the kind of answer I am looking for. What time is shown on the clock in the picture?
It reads 12,02
